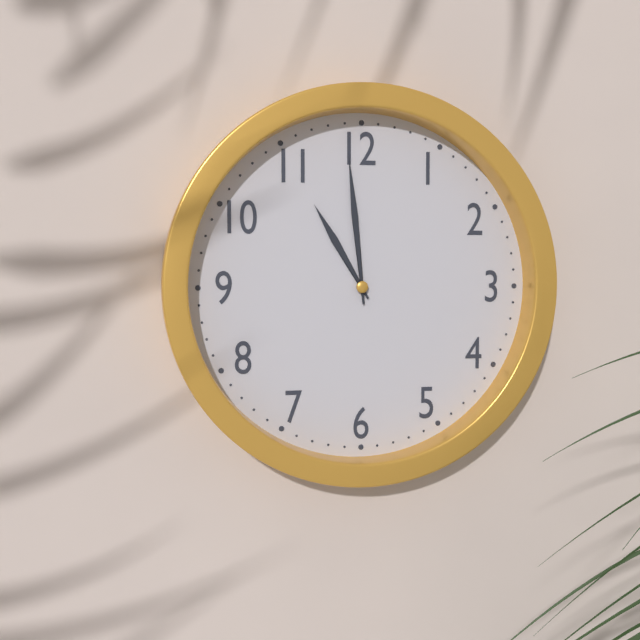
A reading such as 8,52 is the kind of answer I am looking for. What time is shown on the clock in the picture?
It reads 10,59
